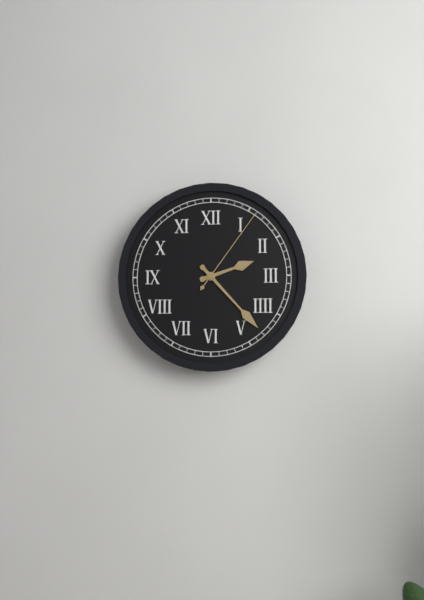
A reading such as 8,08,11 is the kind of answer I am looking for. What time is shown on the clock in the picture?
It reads 2,23,06
